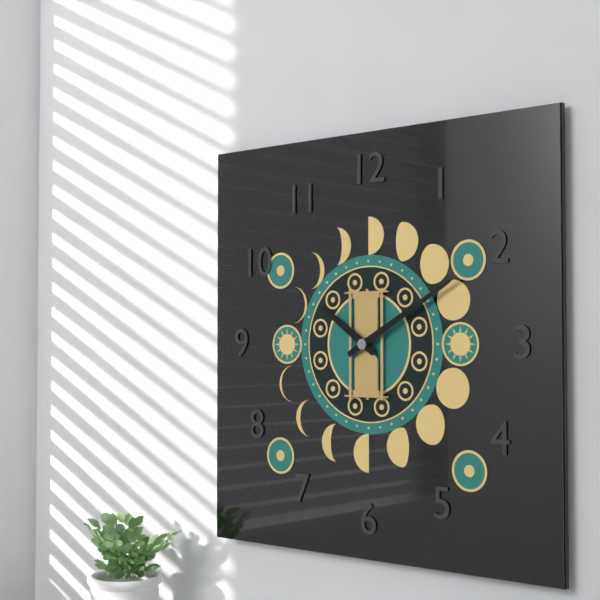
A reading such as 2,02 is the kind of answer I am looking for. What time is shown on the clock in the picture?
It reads 10,10
